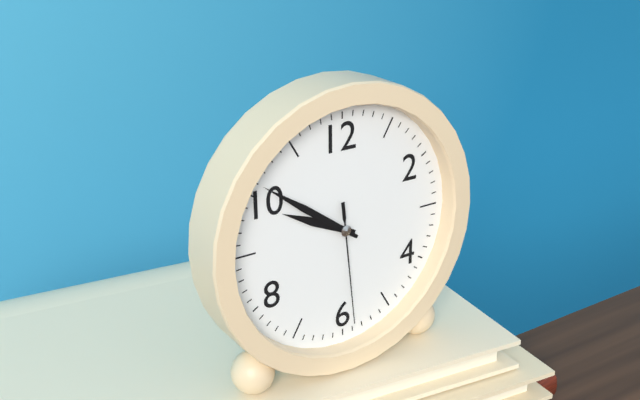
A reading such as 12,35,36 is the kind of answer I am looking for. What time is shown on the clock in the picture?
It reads 9,51,29
